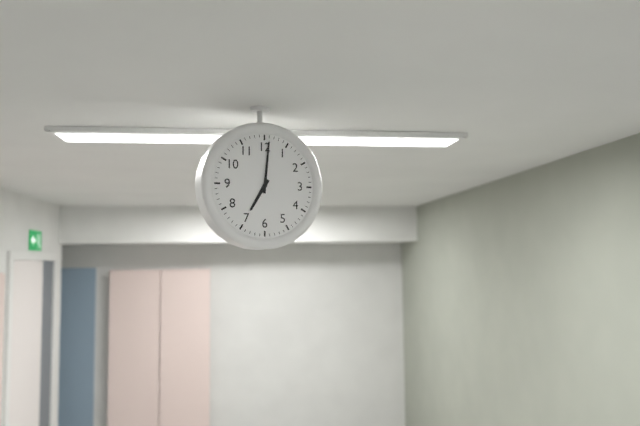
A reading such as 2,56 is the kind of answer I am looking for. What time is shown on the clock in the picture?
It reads 7,01
